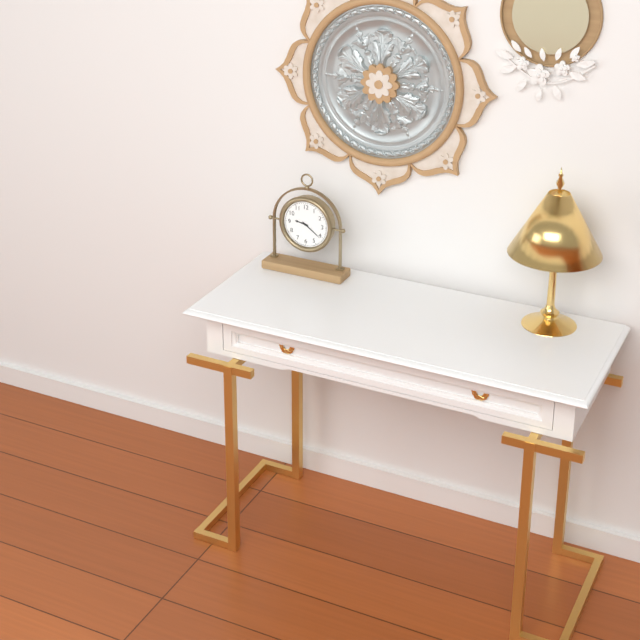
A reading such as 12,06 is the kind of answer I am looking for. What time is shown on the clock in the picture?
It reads 9,21
